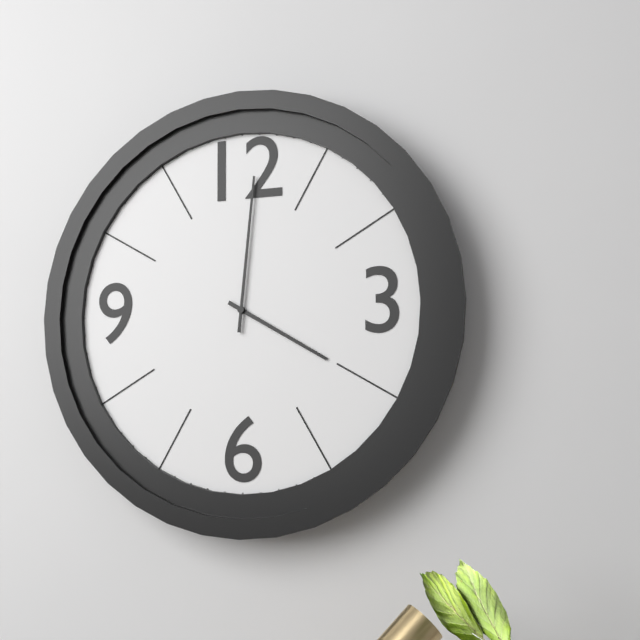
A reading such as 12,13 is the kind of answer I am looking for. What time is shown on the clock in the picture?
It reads 4,01
